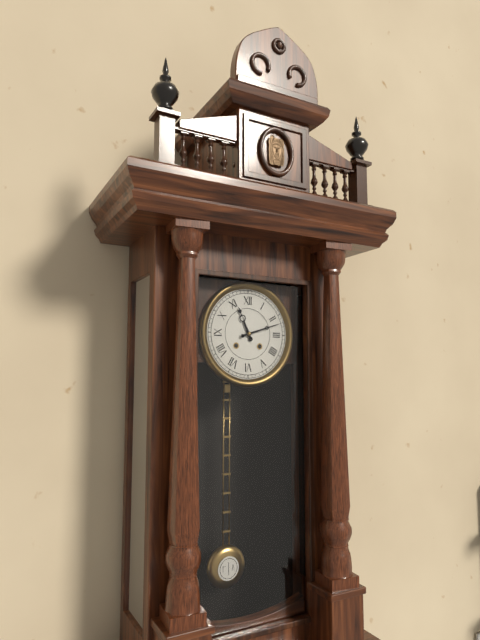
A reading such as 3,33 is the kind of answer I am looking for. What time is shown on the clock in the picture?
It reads 11,12
